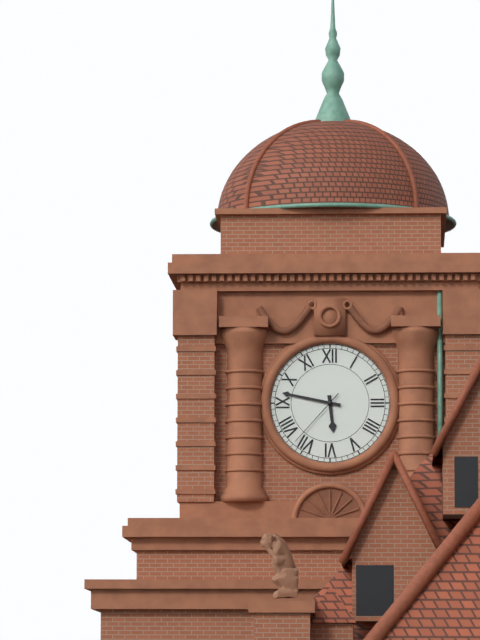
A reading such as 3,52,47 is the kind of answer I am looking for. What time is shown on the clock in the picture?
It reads 5,47,37
